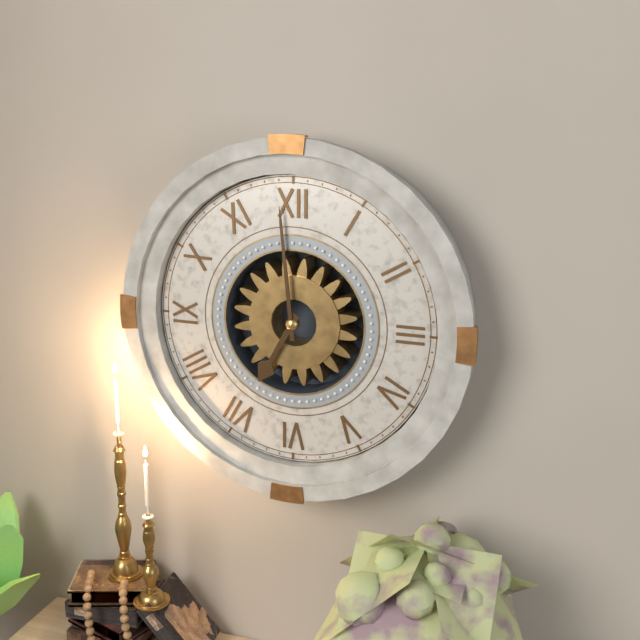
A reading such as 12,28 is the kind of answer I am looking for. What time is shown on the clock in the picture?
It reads 6,59
